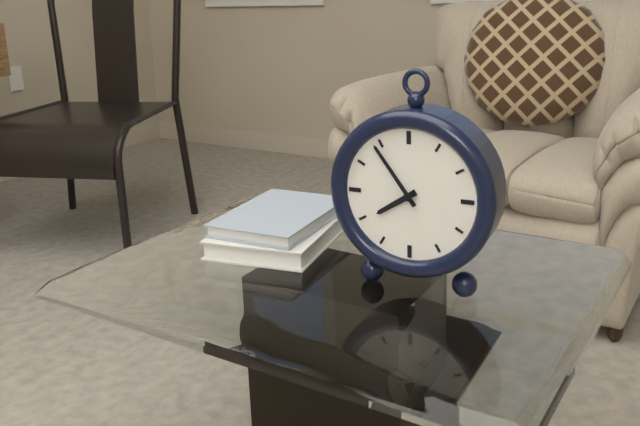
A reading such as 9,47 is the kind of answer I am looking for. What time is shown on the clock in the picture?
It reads 7,54
